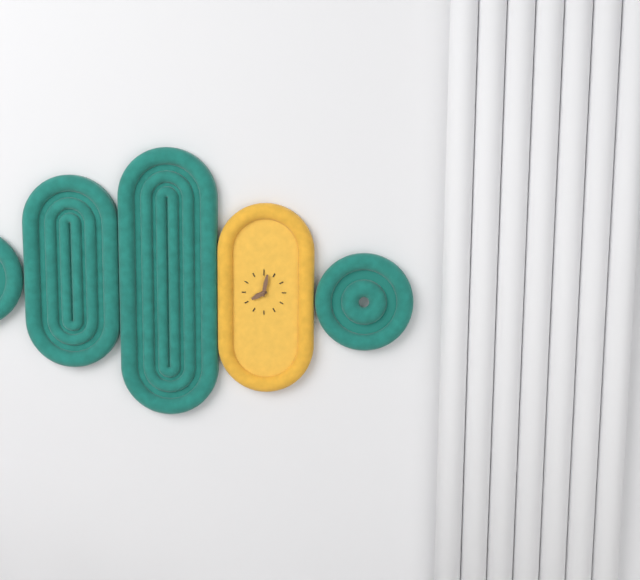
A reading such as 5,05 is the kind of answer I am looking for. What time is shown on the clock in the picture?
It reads 8,02
